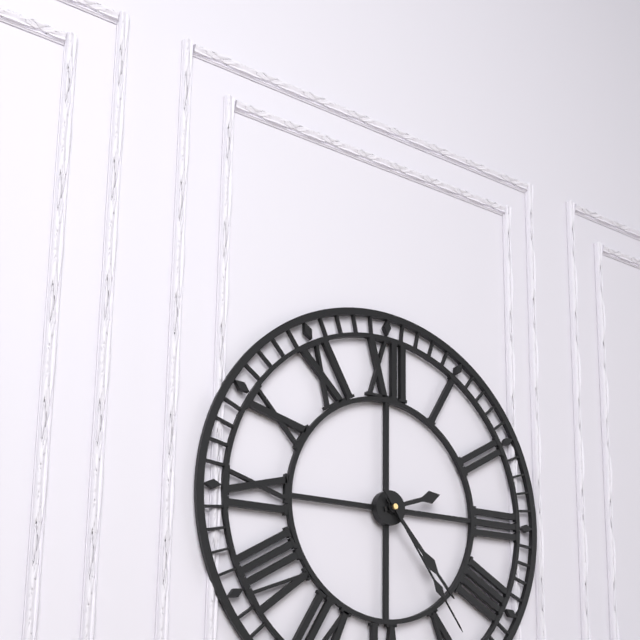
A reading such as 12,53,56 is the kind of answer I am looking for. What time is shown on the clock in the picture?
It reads 2,23,24
